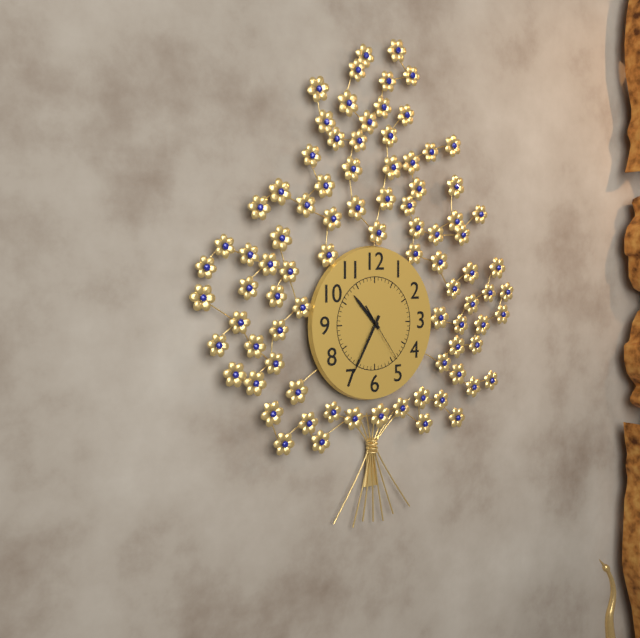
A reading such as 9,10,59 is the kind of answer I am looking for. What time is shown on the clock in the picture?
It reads 10,35,24
